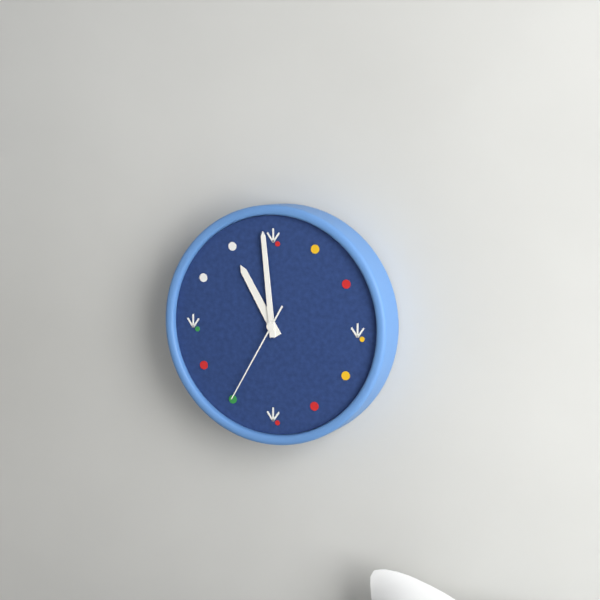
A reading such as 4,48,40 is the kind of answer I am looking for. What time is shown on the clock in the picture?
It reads 10,59,35
